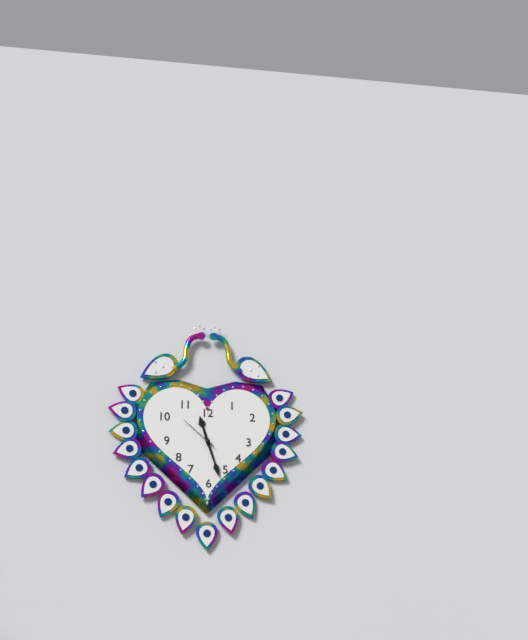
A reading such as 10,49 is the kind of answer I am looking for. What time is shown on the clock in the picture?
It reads 11,27
